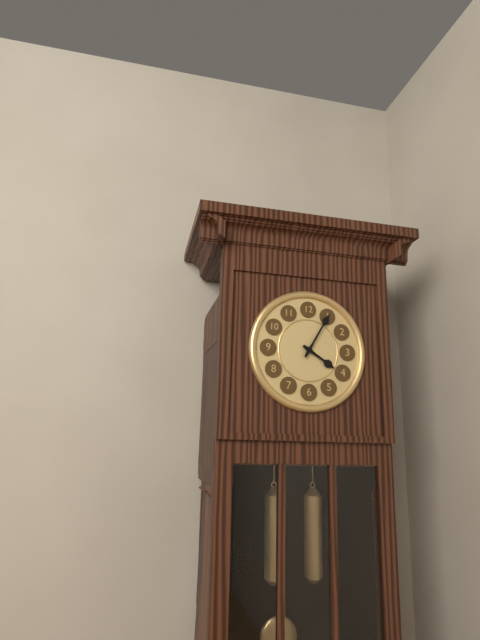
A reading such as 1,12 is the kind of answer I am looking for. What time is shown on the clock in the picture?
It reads 4,05
